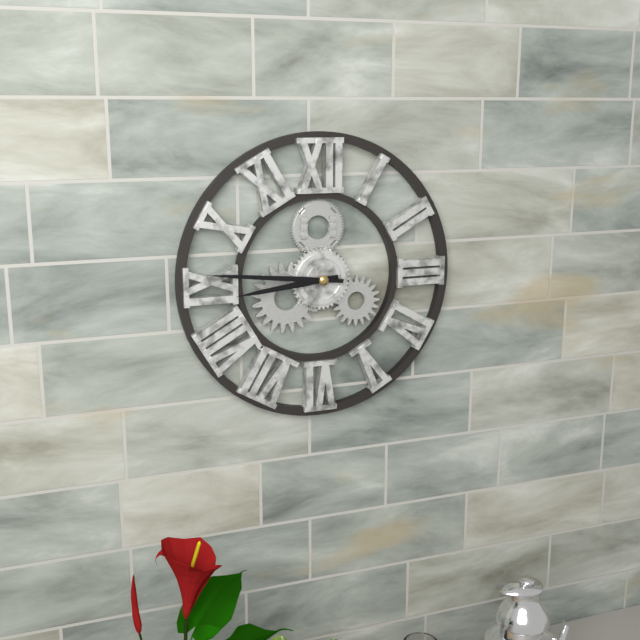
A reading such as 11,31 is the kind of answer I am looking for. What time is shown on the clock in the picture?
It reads 8,46
